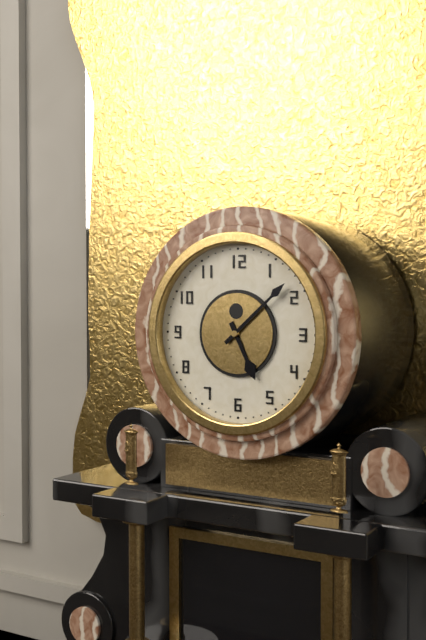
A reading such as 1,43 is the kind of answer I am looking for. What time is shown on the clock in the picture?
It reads 5,08
